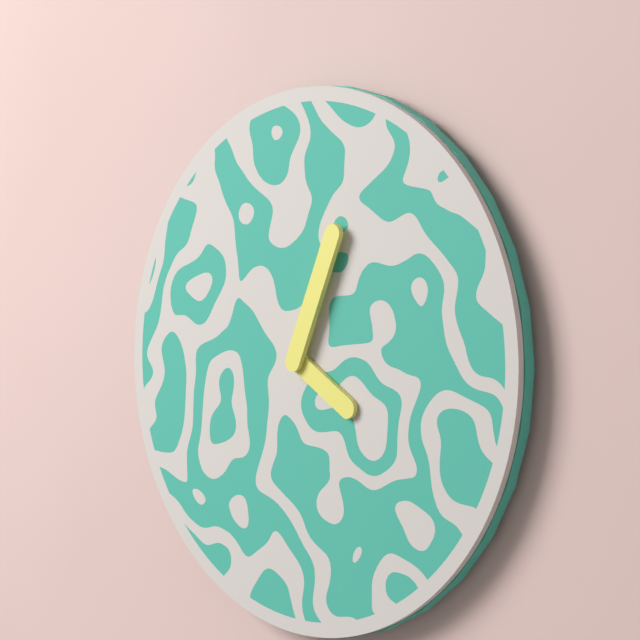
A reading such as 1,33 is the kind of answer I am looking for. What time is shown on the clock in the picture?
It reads 4,04
